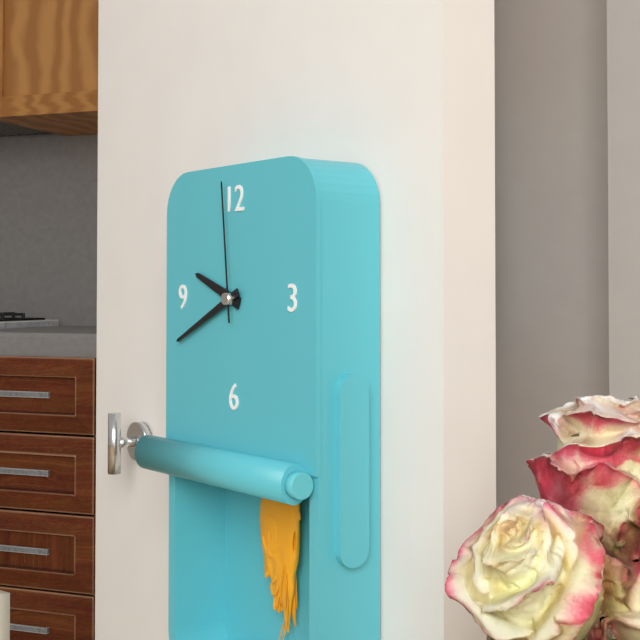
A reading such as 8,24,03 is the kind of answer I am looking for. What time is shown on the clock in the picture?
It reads 9,41,59
